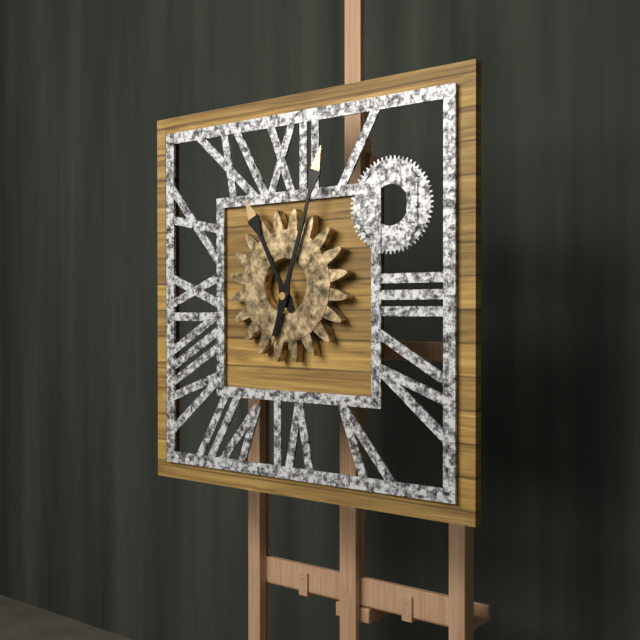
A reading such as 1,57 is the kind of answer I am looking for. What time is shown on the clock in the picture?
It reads 11,03
